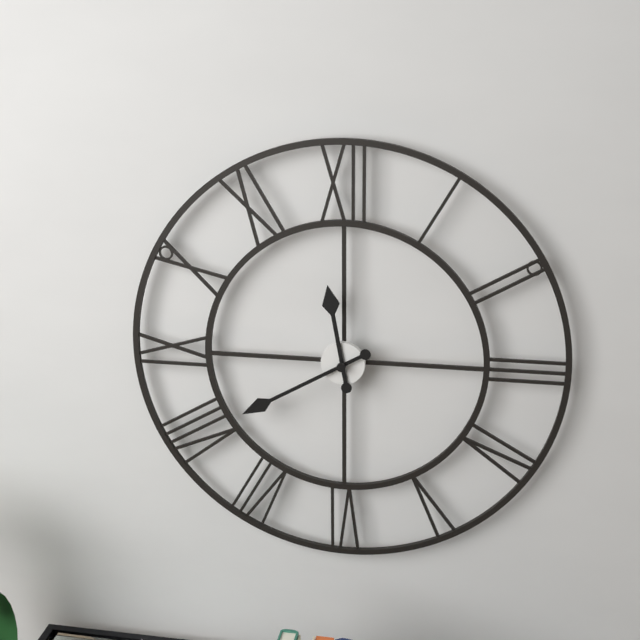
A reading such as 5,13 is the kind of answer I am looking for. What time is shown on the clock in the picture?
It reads 11,40
